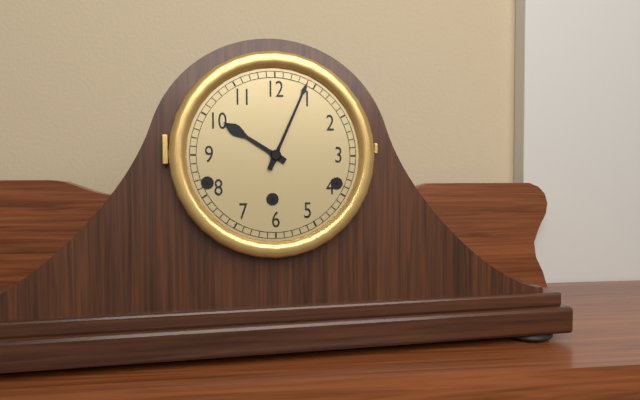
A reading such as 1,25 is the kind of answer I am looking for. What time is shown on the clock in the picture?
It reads 10,04
